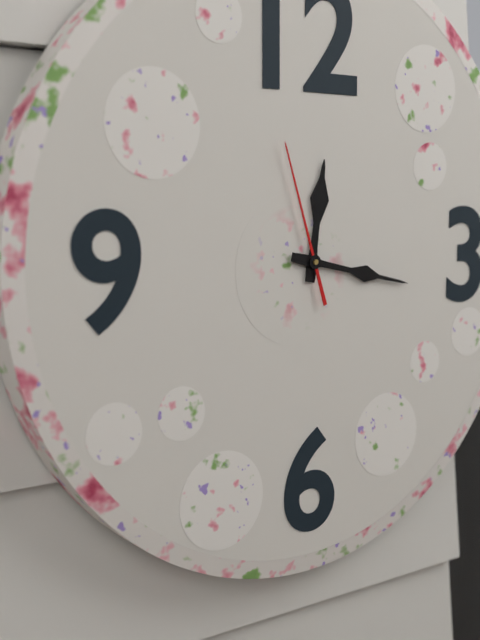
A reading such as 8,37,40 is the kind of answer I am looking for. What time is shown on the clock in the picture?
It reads 12,17,57
